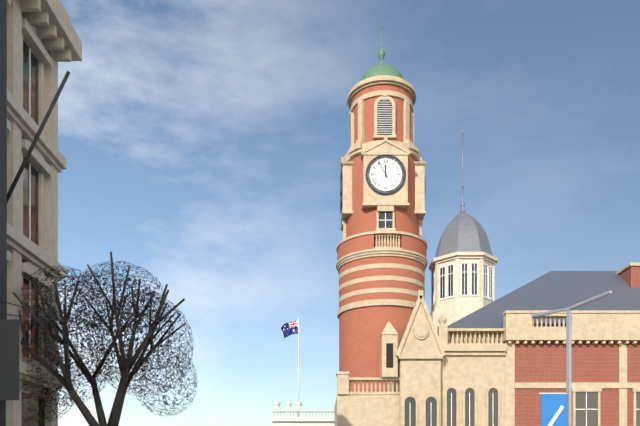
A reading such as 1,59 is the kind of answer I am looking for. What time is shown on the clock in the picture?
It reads 11,55
